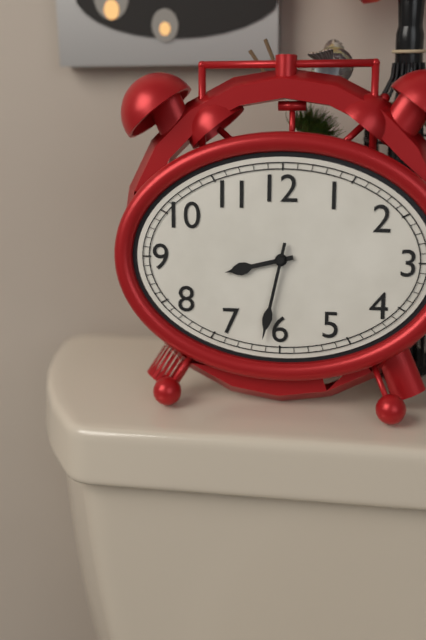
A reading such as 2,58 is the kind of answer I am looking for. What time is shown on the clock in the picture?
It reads 8,32
